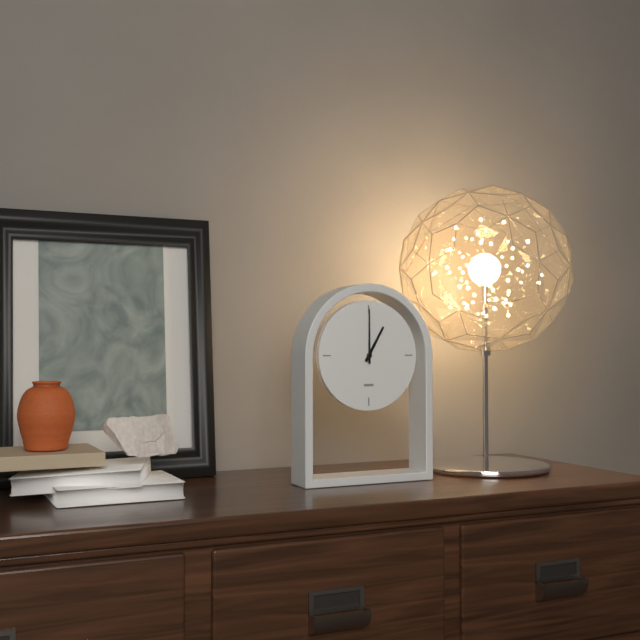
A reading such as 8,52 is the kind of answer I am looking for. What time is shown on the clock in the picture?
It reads 1,00
